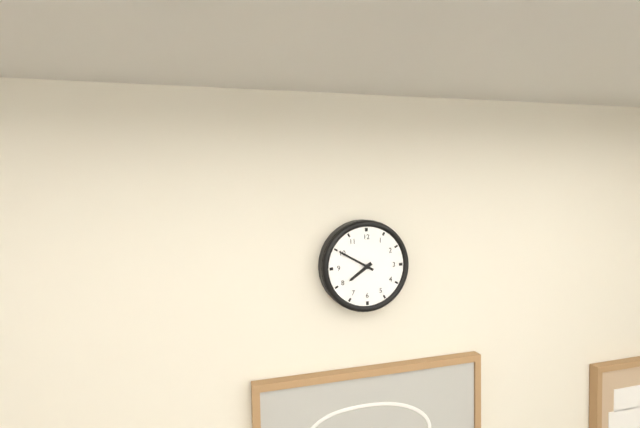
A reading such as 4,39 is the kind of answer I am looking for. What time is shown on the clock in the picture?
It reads 7,50
